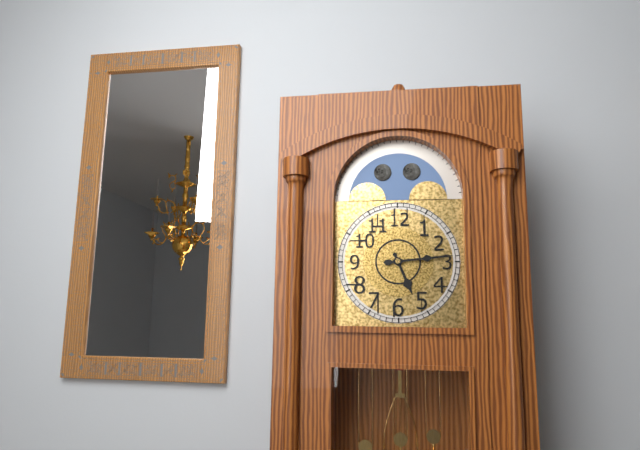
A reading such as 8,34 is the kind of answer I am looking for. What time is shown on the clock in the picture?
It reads 5,14
